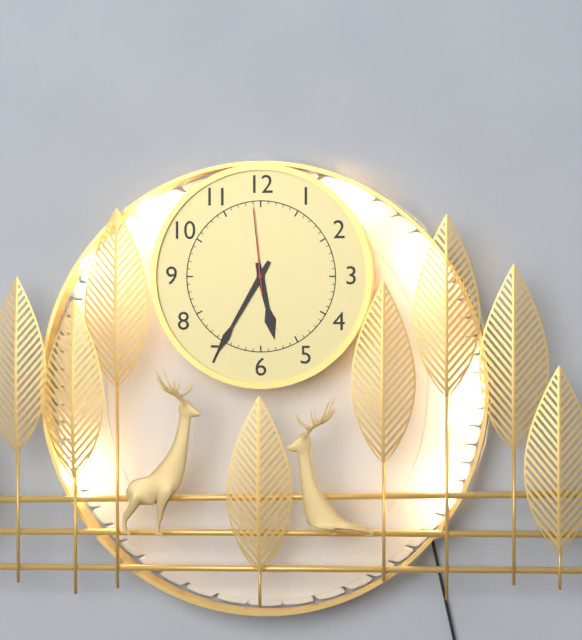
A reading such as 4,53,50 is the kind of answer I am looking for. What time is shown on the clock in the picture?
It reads 5,35,59
